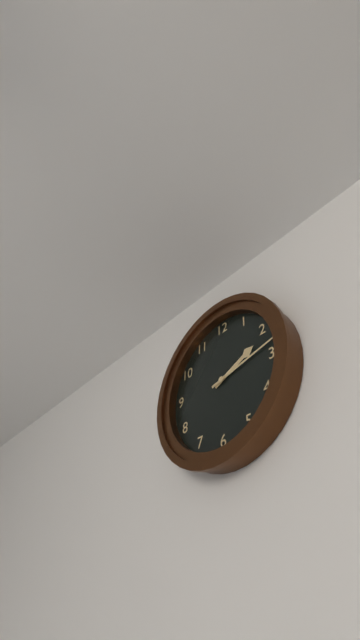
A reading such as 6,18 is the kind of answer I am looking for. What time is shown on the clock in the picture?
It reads 2,13
